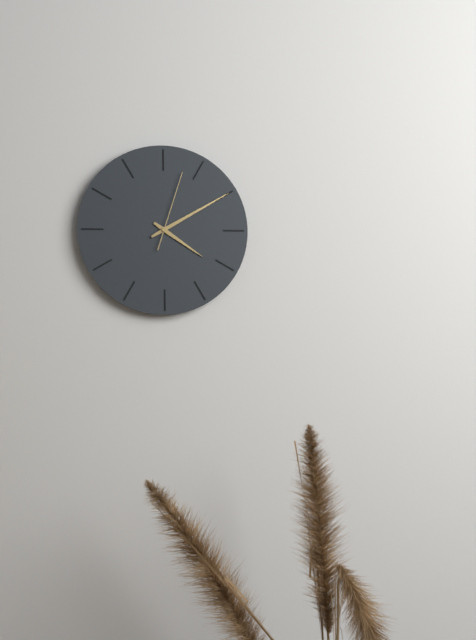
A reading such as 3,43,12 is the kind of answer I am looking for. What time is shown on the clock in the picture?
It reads 4,10,03
